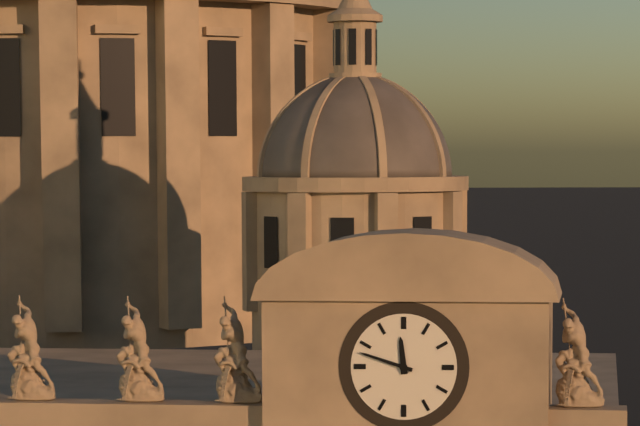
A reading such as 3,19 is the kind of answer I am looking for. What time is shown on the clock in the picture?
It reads 11,48
